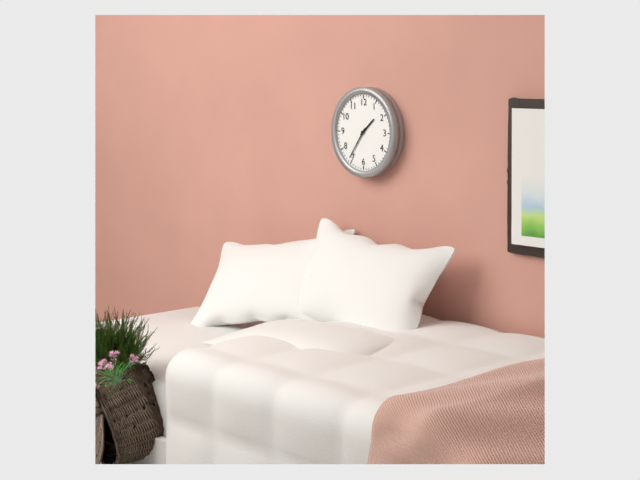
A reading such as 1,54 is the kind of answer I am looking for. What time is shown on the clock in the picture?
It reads 1,36
